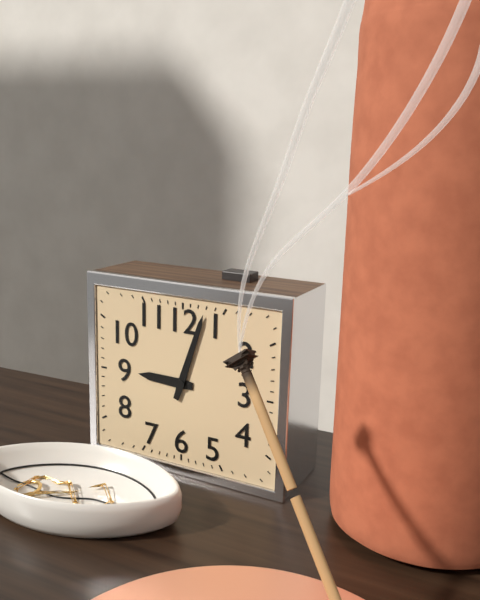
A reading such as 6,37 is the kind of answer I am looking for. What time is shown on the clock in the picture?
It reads 9,03
